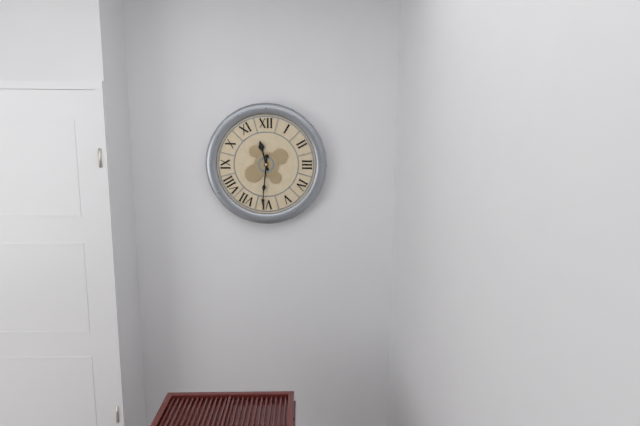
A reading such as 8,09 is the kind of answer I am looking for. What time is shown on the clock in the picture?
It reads 11,31
